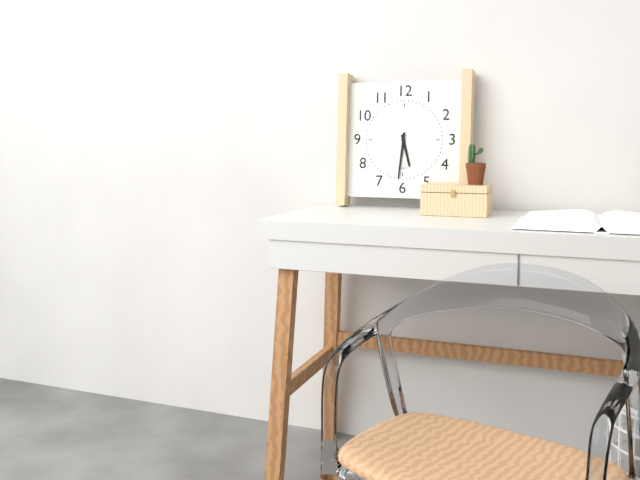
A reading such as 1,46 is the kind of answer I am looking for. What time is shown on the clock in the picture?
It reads 5,31
